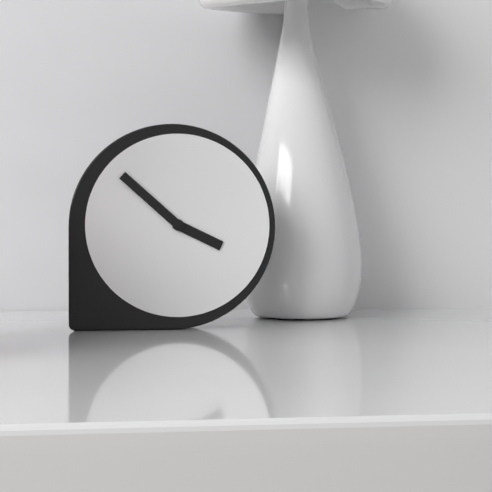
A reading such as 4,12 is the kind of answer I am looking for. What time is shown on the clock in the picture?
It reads 3,52
